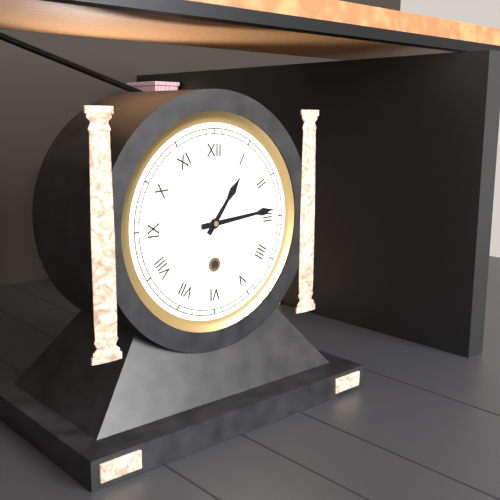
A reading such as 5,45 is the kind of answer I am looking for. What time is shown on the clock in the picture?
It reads 1,14
